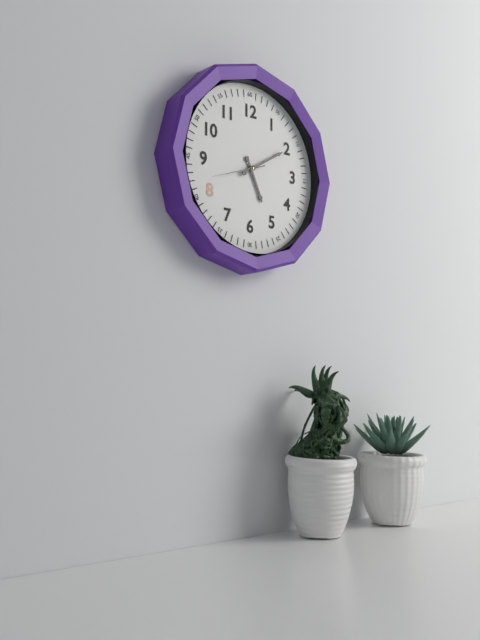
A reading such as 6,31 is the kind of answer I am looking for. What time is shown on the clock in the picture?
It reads 5,10
